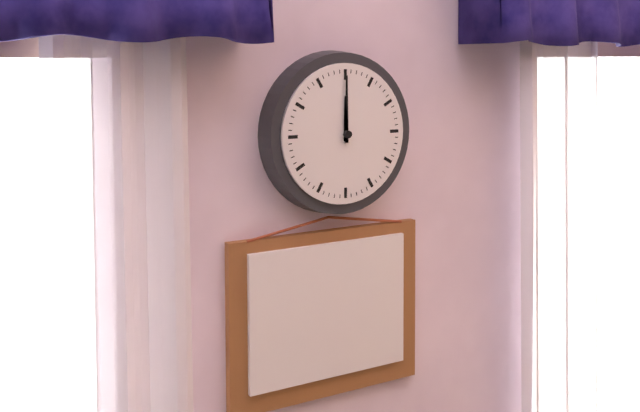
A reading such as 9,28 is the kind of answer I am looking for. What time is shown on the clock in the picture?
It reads 12,00
